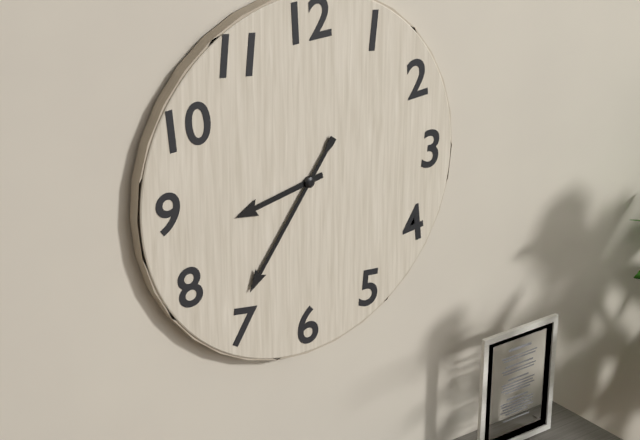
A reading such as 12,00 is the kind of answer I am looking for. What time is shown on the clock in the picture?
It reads 8,36
